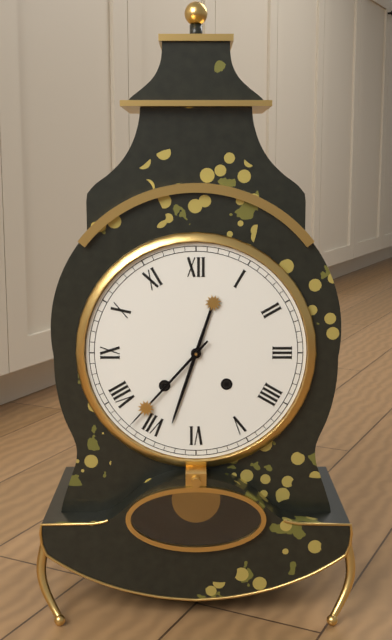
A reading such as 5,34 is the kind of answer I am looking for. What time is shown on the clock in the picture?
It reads 6,37
